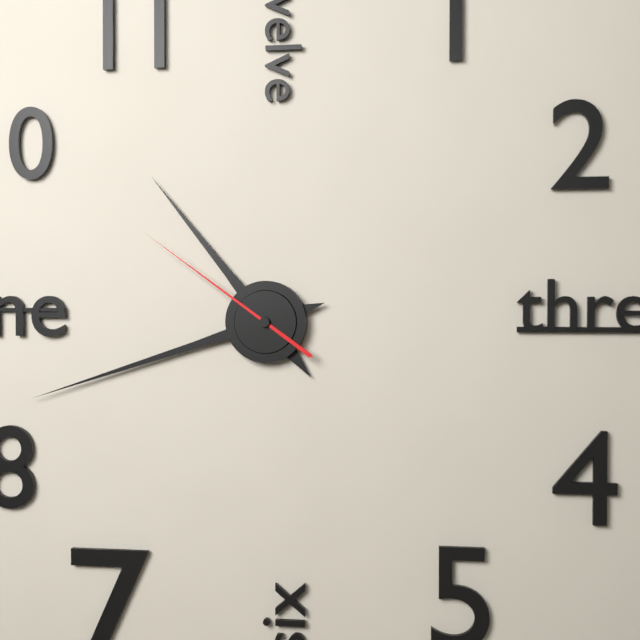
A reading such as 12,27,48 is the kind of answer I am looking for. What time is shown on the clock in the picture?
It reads 10,42,51
